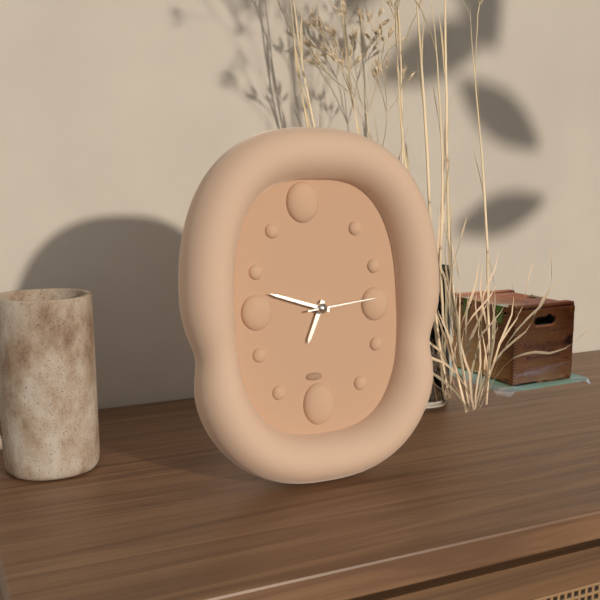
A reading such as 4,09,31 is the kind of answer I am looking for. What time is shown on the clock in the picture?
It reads 6,48,14
